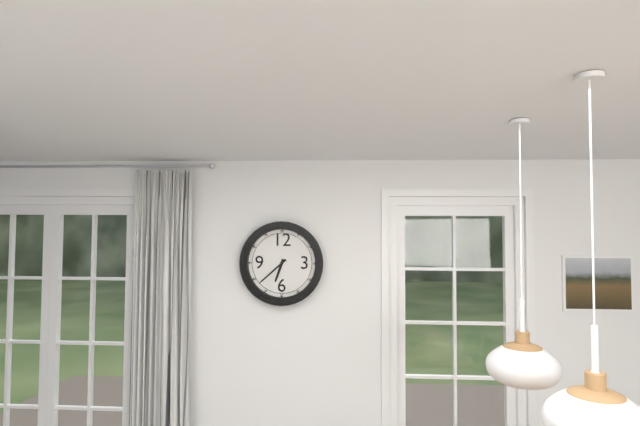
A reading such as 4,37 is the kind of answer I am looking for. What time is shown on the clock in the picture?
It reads 6,38
